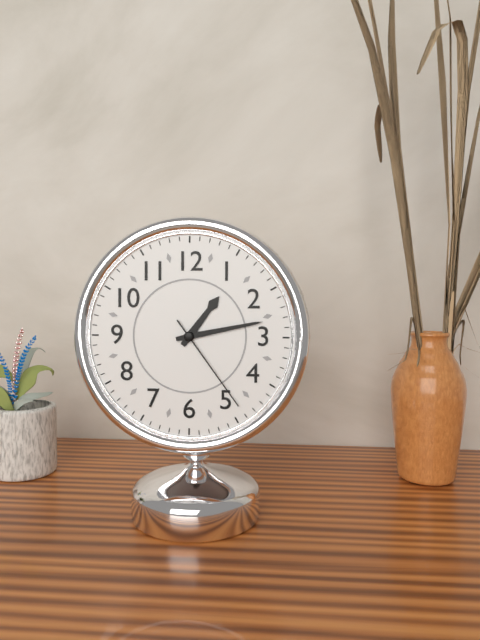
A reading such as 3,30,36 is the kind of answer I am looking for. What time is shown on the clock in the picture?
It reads 1,13,24
